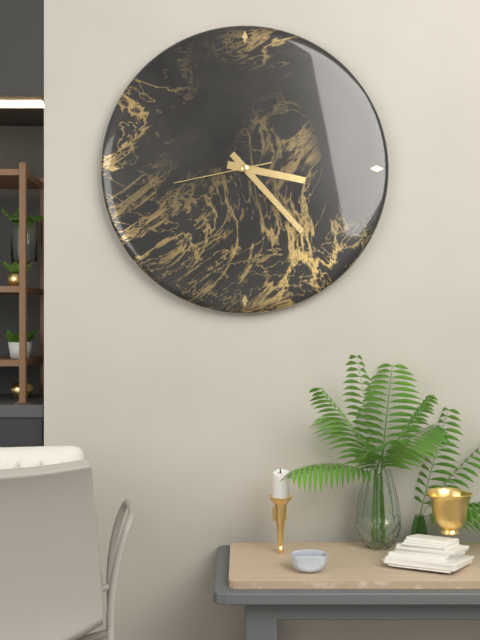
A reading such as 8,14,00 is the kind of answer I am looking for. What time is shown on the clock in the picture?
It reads 3,23,43
